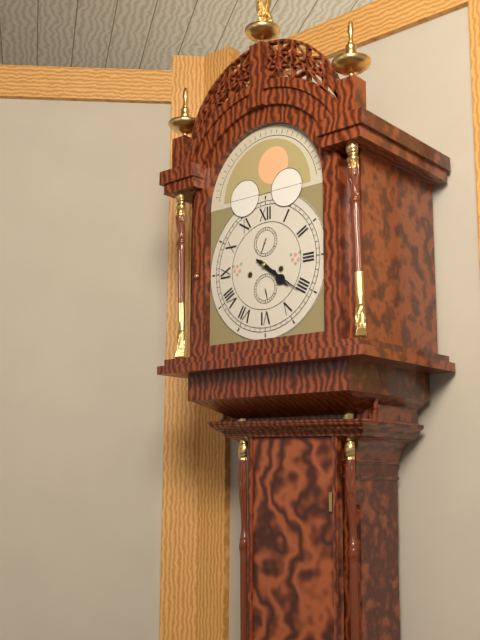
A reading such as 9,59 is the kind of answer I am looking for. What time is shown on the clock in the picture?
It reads 4,21
